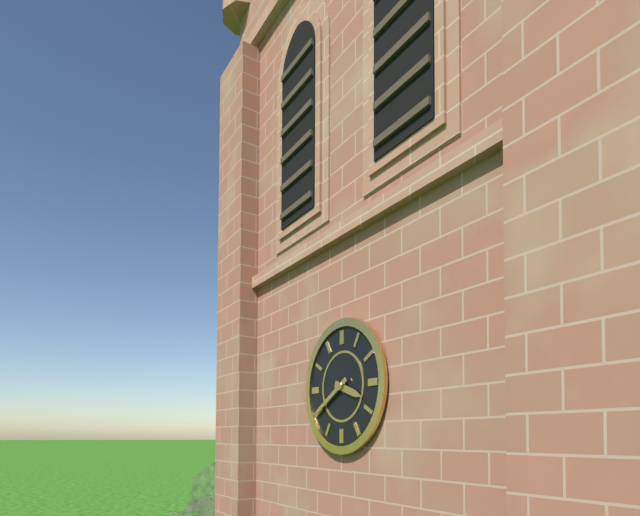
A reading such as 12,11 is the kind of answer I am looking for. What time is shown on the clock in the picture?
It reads 3,40
